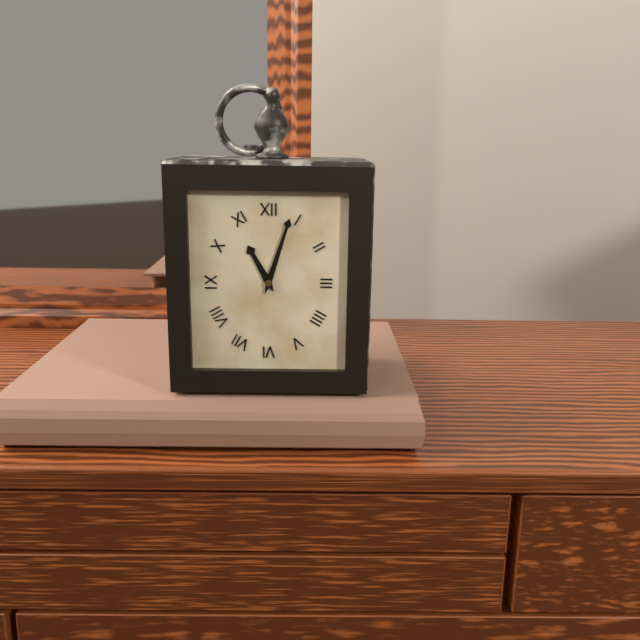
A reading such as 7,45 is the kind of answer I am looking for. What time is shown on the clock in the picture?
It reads 11,03
